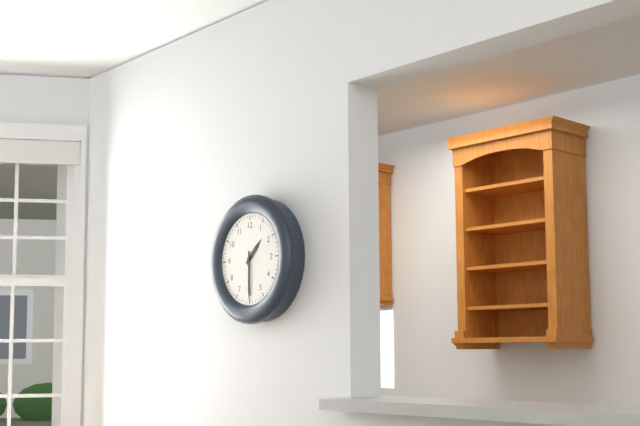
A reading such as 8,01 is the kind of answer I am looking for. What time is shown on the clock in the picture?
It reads 1,30
